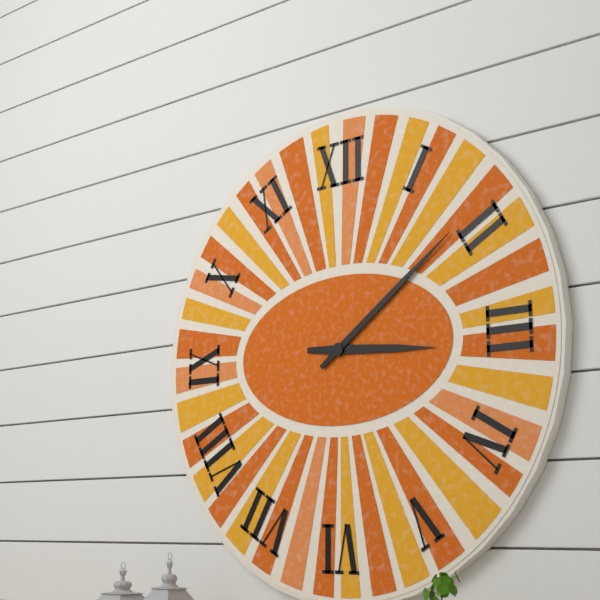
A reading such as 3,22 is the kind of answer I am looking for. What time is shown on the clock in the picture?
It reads 3,09
